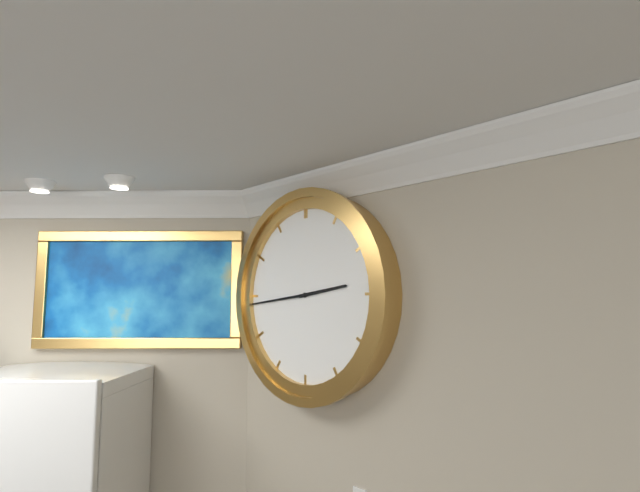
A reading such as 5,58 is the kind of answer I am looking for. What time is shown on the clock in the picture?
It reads 2,44
